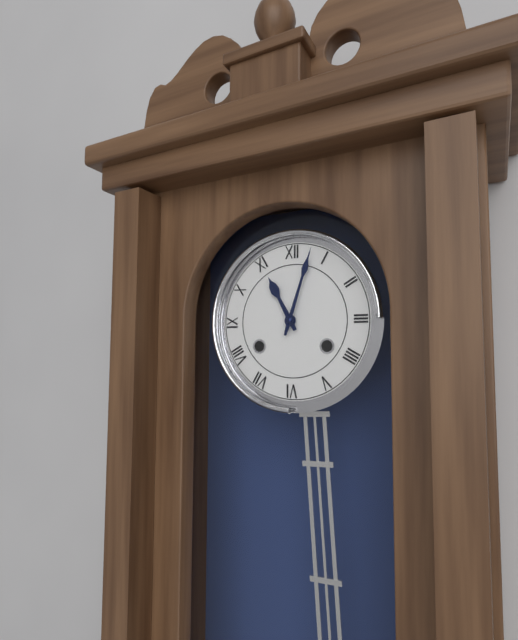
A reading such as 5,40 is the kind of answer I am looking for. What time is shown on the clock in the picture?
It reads 11,03
